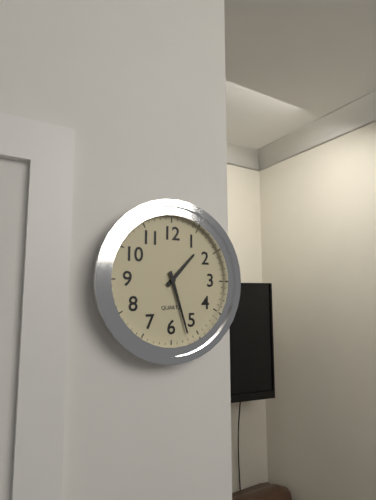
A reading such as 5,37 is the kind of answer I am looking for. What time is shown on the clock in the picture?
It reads 1,27
